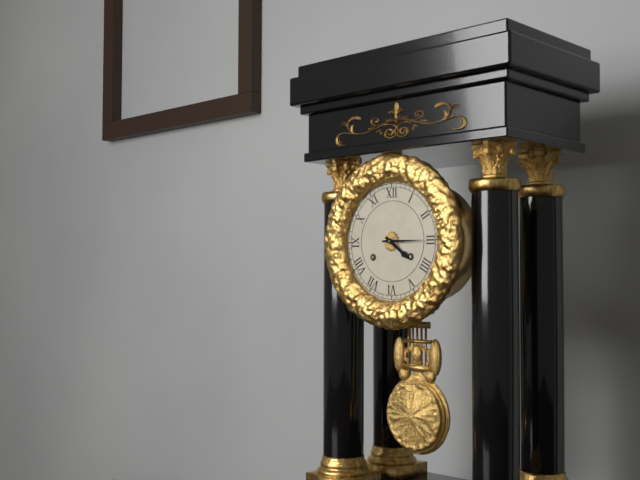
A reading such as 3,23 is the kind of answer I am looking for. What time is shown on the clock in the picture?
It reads 4,15
